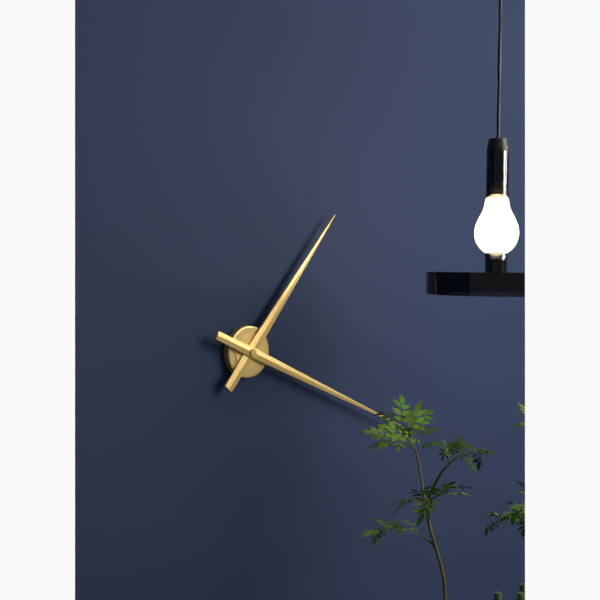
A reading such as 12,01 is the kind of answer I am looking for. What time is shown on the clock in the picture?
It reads 1,19
